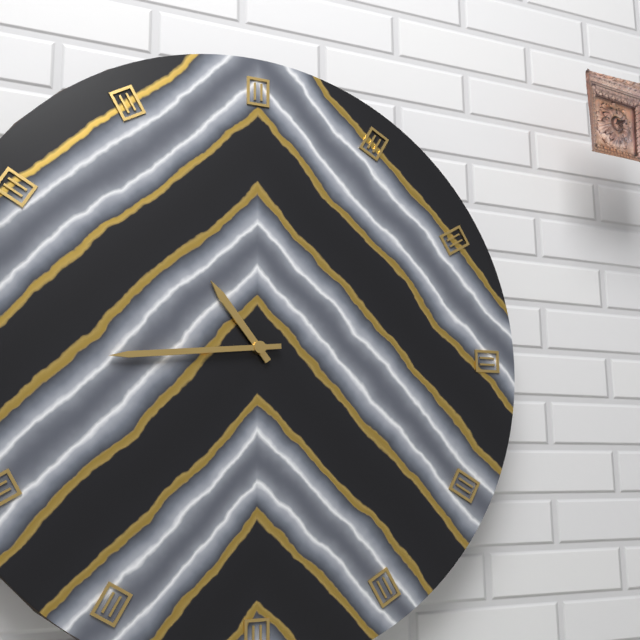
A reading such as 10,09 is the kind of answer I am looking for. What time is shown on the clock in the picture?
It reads 10,44
